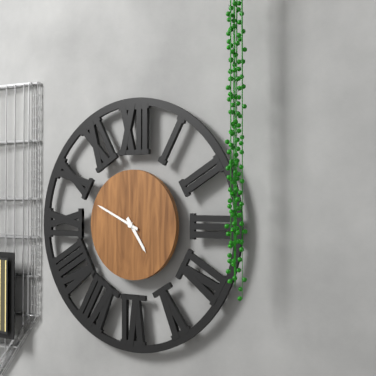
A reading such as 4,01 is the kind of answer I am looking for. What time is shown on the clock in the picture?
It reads 4,49
